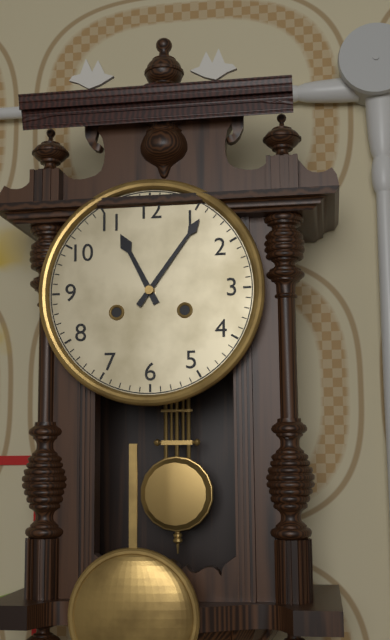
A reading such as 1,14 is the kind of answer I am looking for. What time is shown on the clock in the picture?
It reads 11,06
